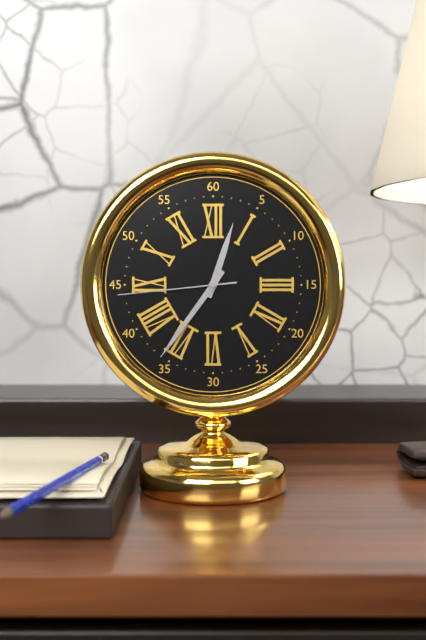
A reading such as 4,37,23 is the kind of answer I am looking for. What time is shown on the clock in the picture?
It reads 12,36,44
